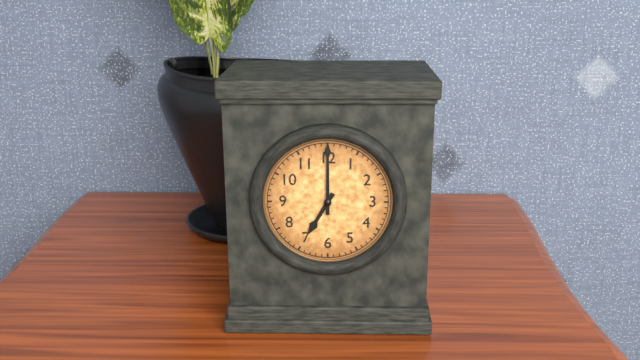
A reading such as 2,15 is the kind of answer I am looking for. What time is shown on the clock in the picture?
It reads 7,00
